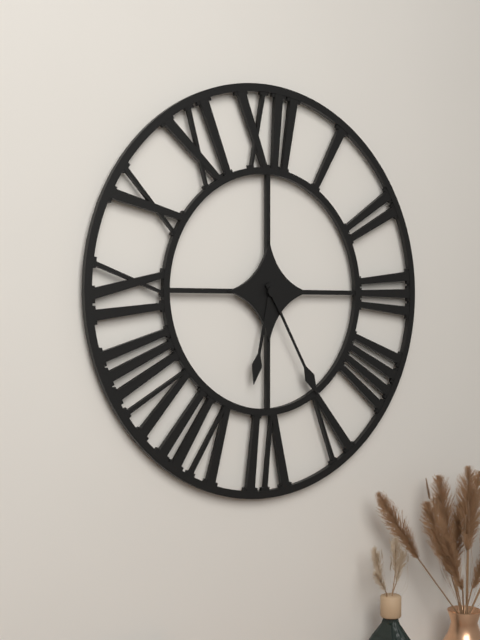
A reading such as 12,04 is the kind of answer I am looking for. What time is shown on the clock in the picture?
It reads 6,25
